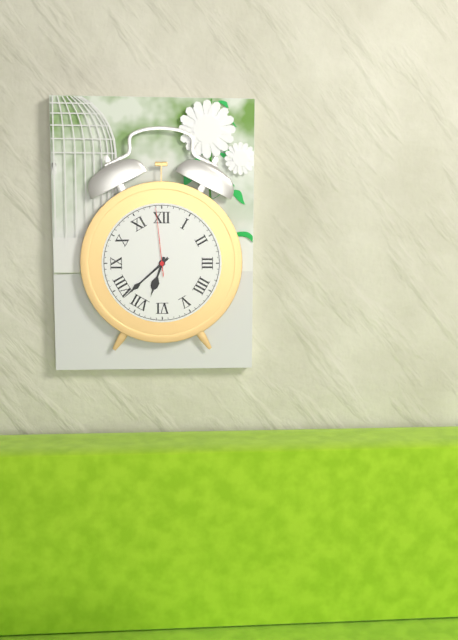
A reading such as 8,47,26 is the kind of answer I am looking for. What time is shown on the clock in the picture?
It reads 6,38,59
